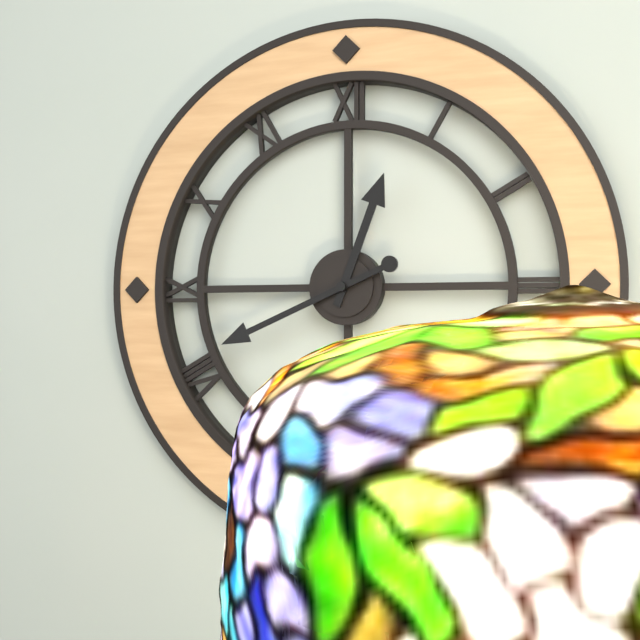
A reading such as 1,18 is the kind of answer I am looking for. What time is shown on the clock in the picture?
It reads 12,41
